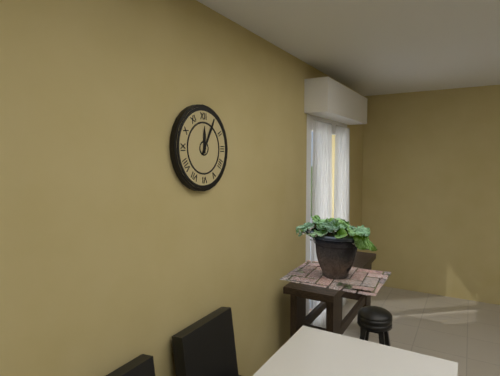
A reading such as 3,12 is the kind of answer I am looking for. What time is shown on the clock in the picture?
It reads 12,05
